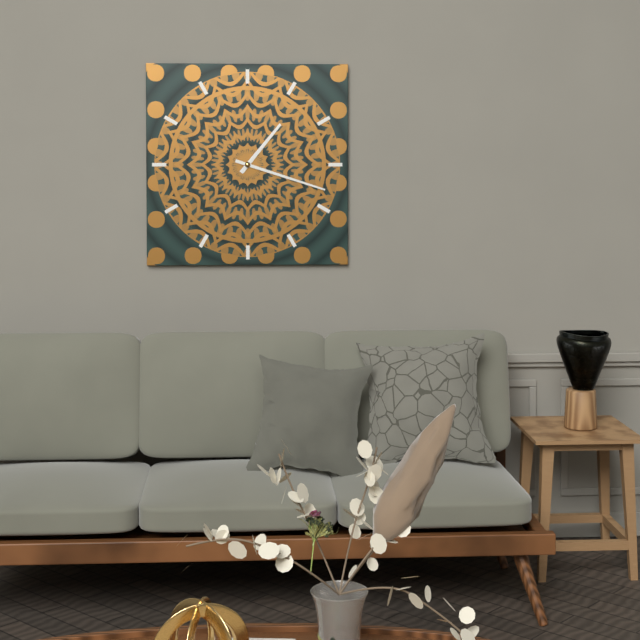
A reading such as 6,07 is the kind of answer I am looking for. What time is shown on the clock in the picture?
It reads 1,18
